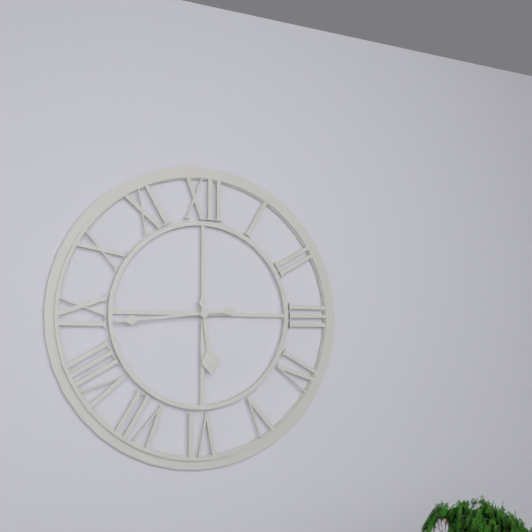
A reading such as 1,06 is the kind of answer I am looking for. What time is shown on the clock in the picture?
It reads 5,44
